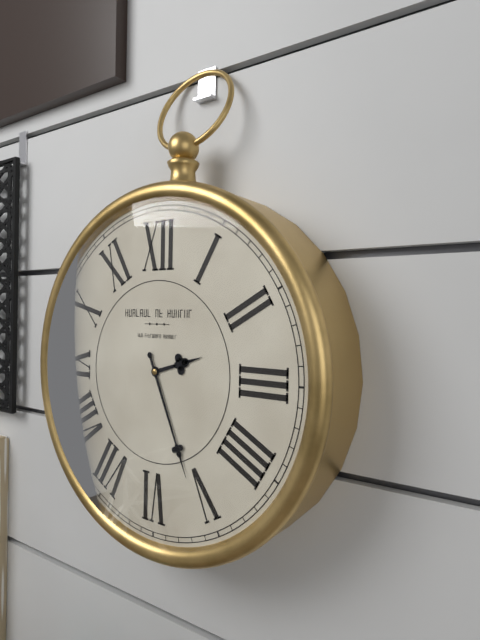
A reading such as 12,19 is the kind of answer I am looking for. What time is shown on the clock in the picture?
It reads 2,26
